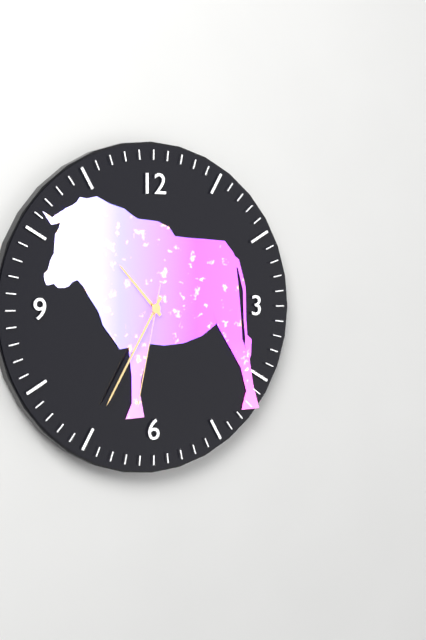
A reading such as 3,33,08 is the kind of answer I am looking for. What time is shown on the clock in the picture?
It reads 10,35,32
